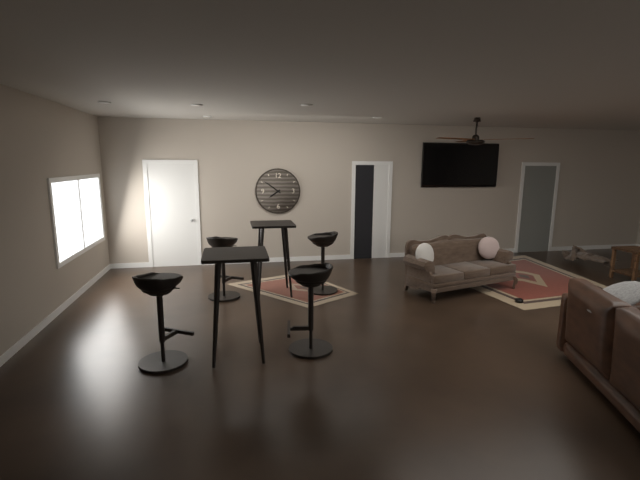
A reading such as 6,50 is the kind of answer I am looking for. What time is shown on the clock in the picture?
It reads 7,51
